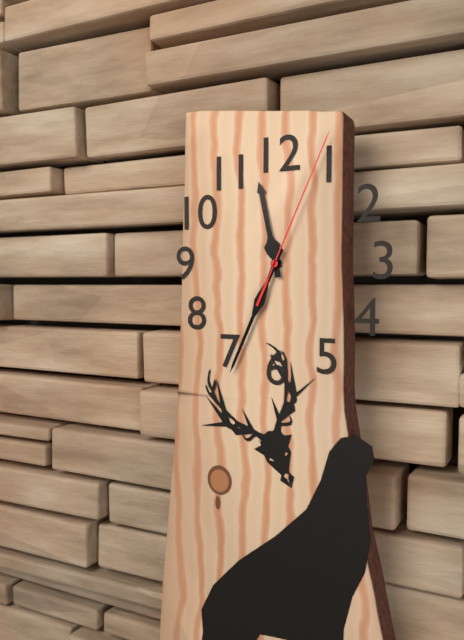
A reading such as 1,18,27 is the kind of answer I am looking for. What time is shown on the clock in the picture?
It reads 11,34,04
